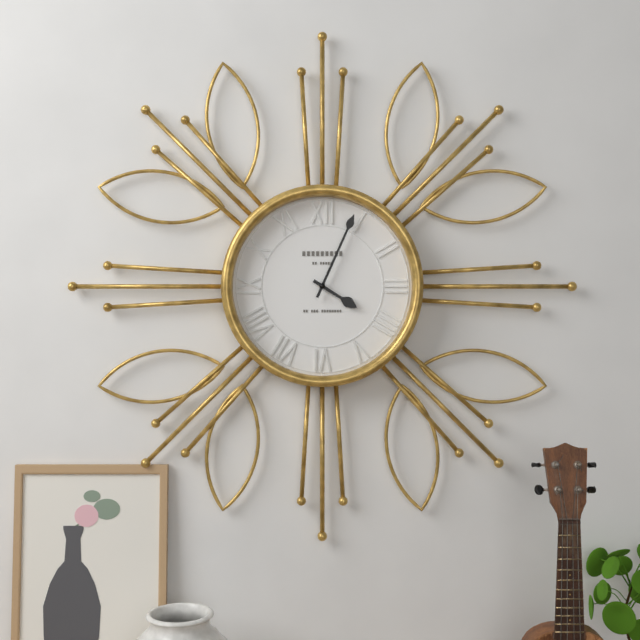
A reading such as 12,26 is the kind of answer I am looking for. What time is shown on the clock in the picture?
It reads 4,04
